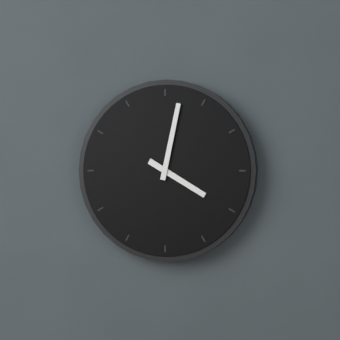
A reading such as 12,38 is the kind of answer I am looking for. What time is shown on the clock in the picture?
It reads 4,02
